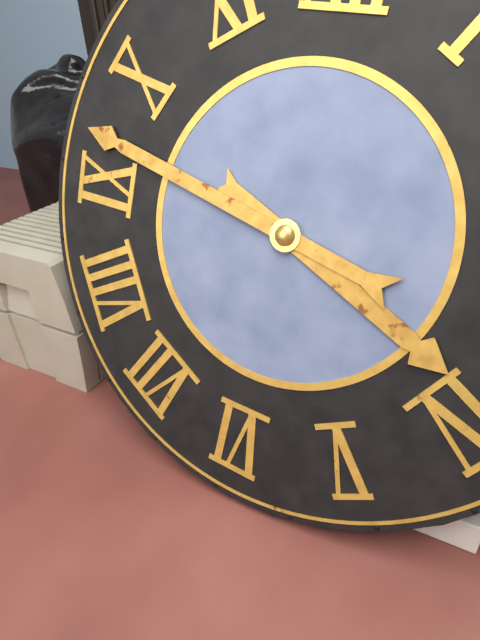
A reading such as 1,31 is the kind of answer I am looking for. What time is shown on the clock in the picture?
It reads 3,47
